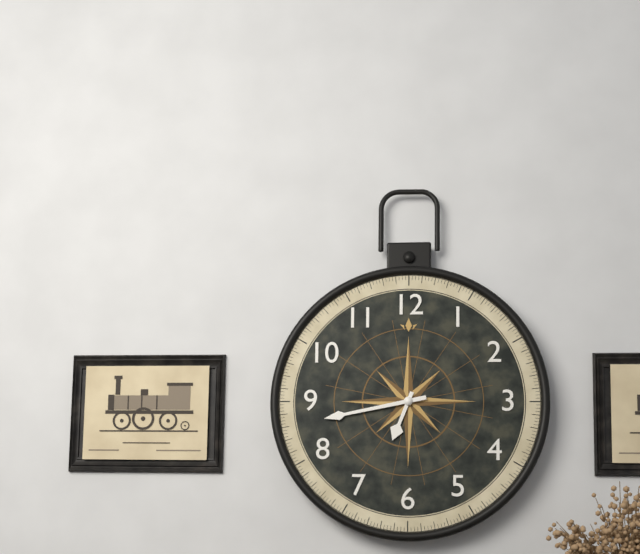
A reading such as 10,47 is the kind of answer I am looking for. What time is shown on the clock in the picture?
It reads 6,43
